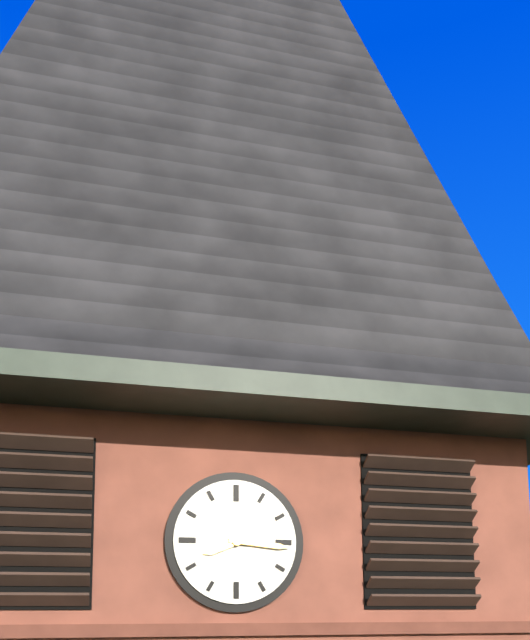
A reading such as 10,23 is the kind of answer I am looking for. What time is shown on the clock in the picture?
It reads 8,16
